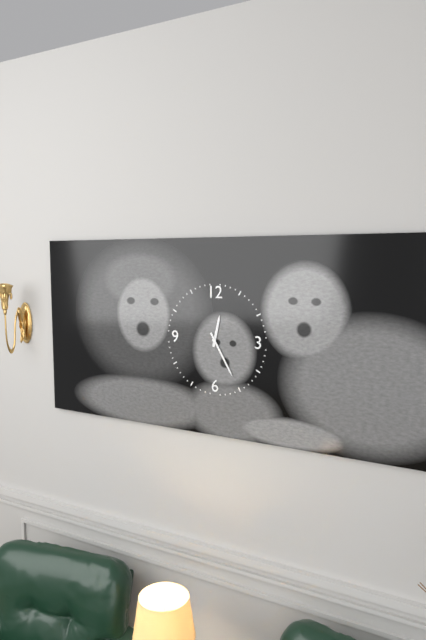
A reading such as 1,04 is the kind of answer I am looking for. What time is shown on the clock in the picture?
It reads 12,25
